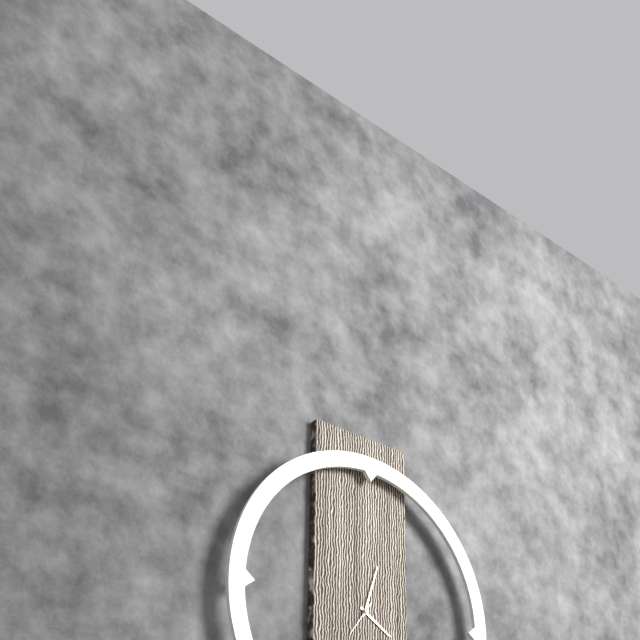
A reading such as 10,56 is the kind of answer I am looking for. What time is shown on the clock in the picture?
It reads 4,03
